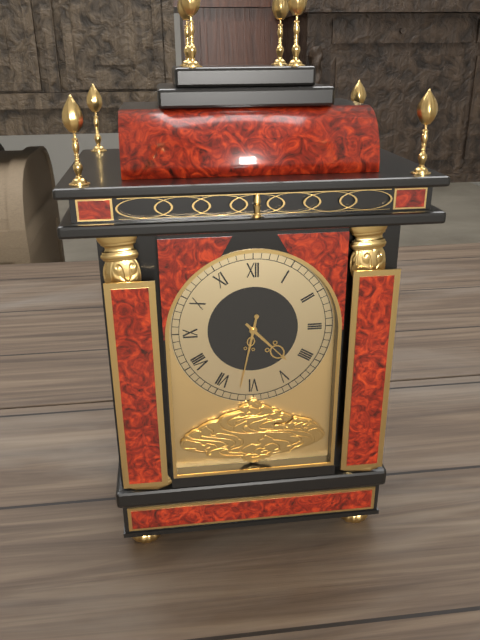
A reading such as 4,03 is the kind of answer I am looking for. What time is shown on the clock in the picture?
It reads 4,32
